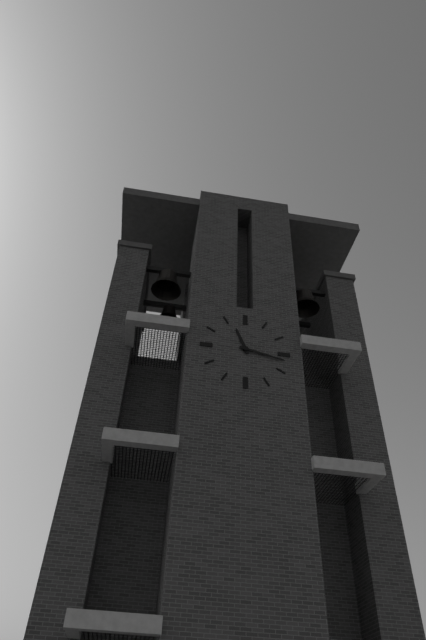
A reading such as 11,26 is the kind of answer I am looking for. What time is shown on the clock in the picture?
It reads 11,17
